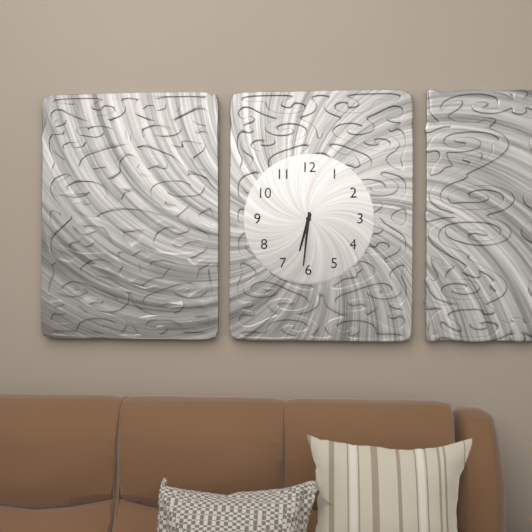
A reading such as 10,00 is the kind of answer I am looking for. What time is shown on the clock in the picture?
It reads 6,31
